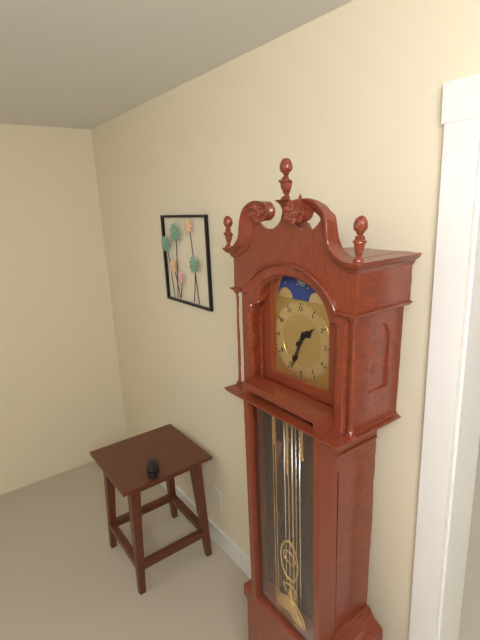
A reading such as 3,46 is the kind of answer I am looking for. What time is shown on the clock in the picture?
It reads 1,34
